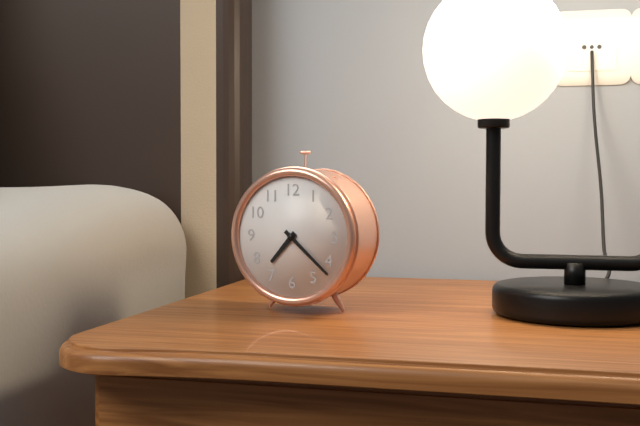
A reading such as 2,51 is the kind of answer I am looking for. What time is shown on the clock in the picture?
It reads 7,22
